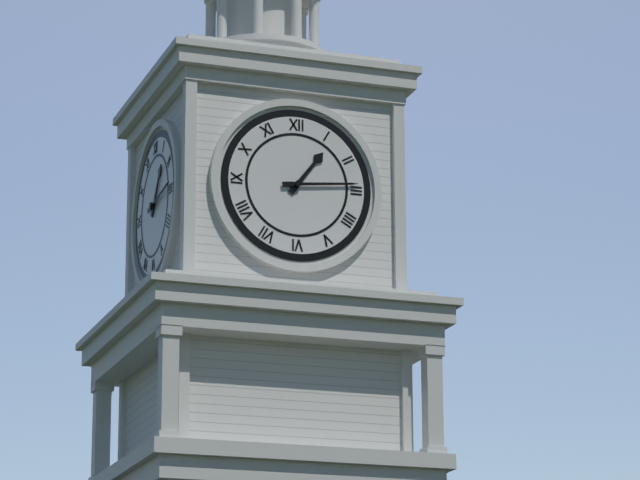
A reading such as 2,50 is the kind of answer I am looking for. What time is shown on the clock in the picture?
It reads 1,14
